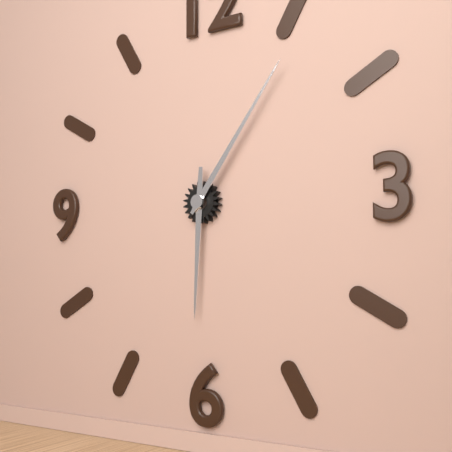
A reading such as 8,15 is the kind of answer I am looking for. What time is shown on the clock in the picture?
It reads 6,06
